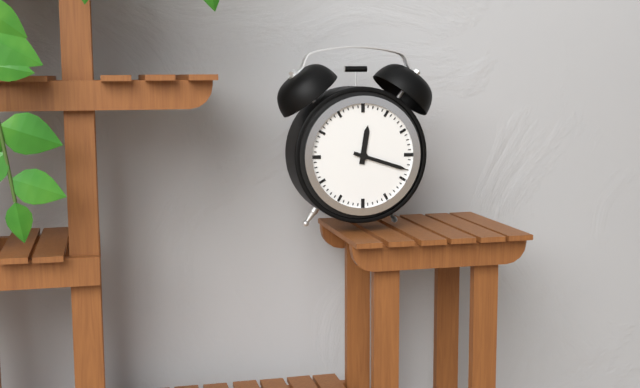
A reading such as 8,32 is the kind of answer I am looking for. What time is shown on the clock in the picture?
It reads 12,18
